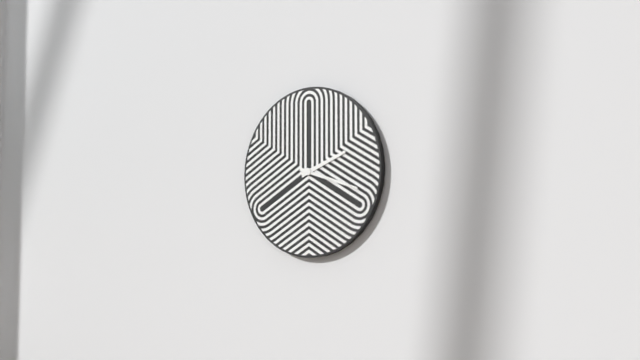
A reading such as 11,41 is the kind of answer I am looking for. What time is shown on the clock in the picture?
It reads 2,18
